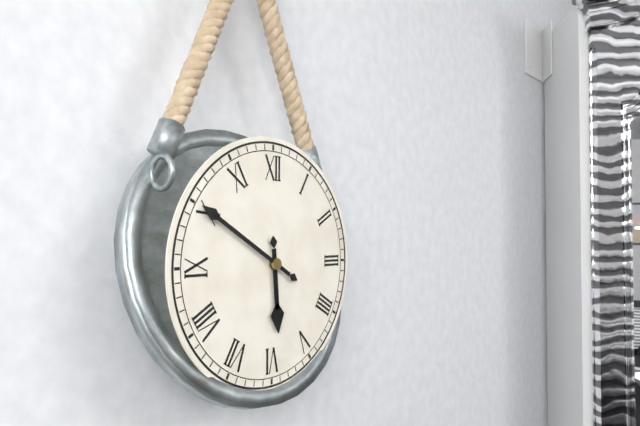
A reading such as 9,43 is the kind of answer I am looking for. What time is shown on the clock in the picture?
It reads 5,50
